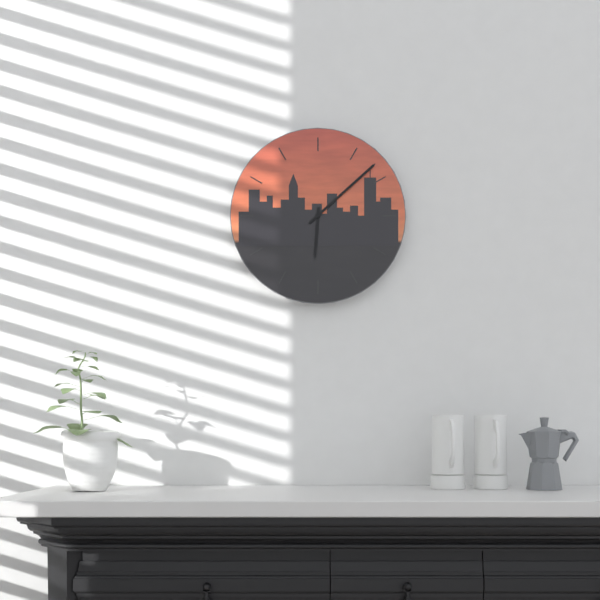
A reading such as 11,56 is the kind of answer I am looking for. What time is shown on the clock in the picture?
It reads 6,08
